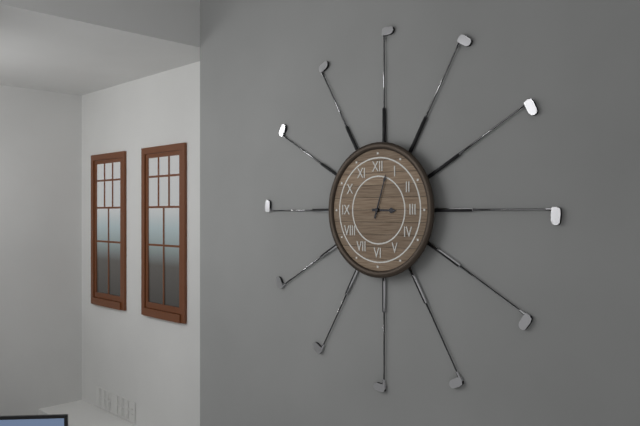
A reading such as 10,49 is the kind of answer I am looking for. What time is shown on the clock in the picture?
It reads 3,03
